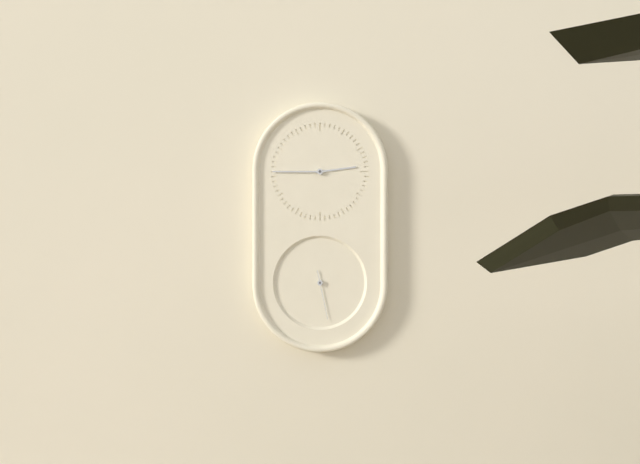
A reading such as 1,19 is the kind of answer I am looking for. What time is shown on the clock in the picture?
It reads 2,45
